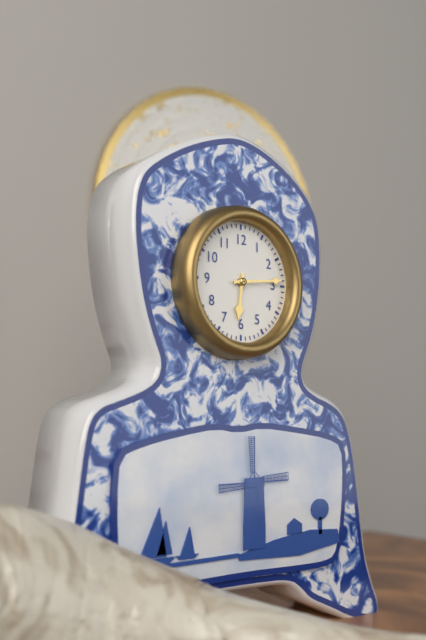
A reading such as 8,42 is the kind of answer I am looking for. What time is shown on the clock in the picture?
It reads 6,14
